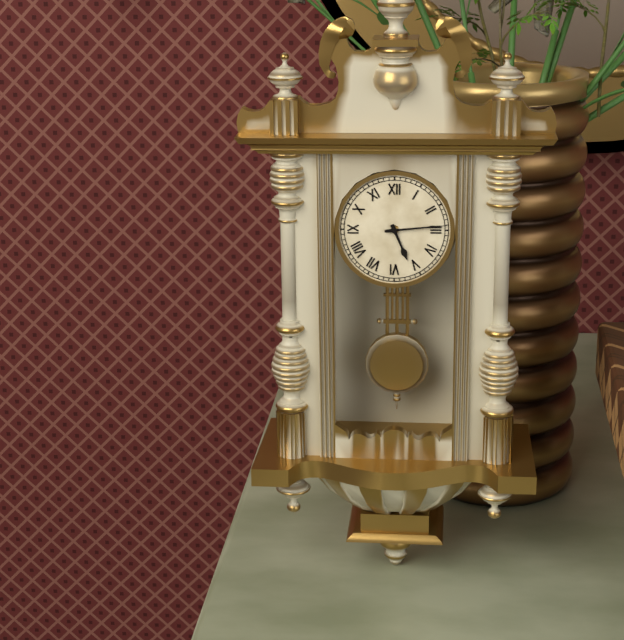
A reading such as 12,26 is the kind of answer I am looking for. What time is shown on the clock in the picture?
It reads 5,14
